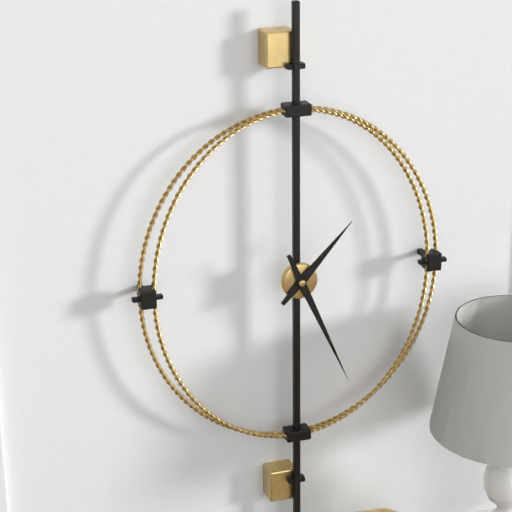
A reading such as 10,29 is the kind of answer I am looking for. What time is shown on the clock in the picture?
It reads 1,26
